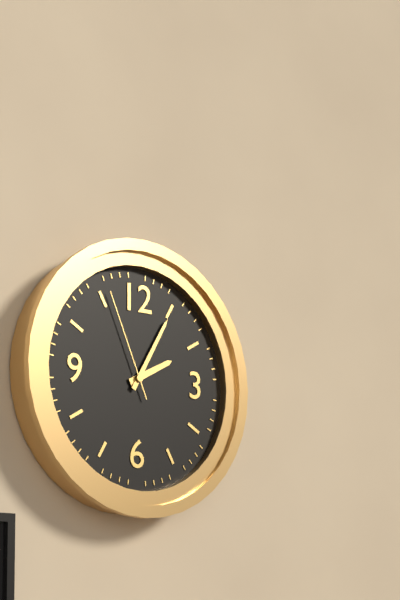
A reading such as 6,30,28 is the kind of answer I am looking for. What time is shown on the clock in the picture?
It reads 2,05,56
